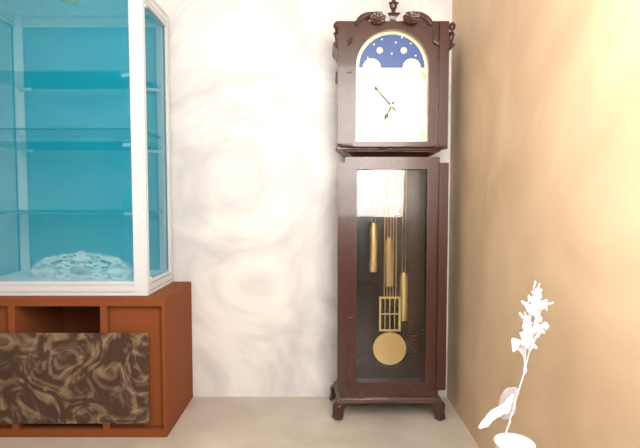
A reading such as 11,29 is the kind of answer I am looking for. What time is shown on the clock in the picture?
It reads 6,53
